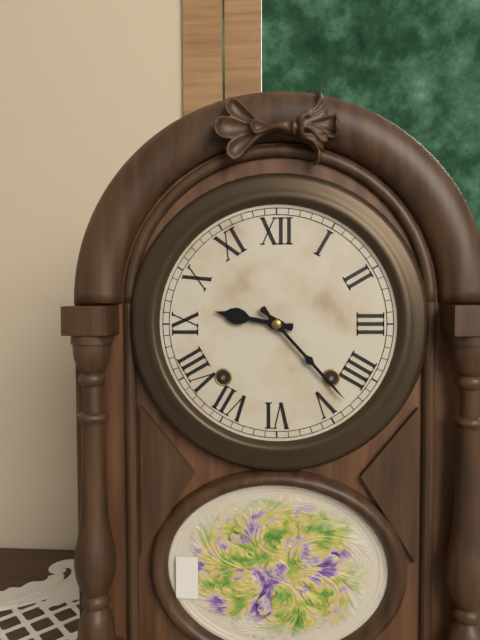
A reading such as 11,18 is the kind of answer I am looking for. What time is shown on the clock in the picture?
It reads 9,23
